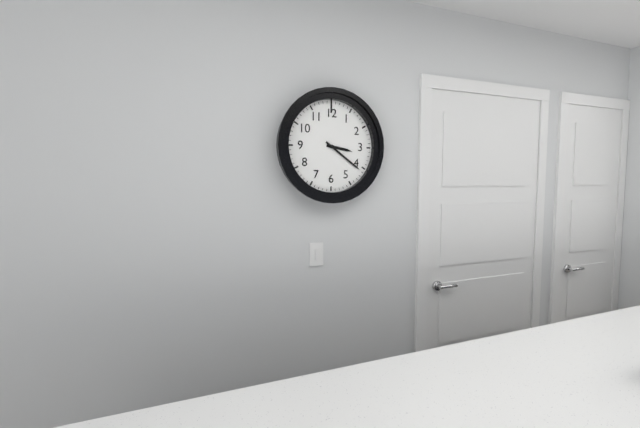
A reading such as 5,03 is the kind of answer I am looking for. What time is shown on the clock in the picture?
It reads 3,21
